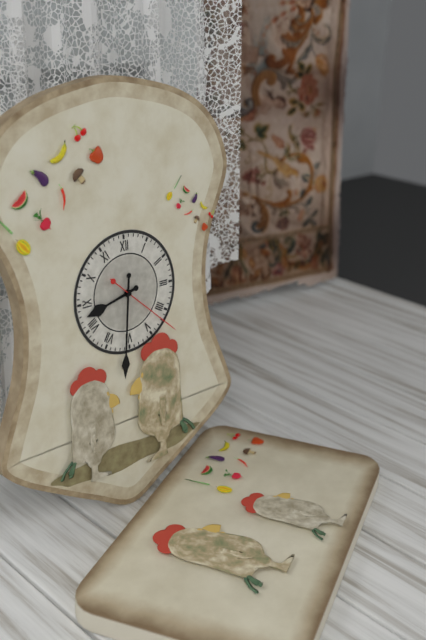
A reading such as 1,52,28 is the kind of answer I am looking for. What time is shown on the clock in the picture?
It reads 8,31,22
